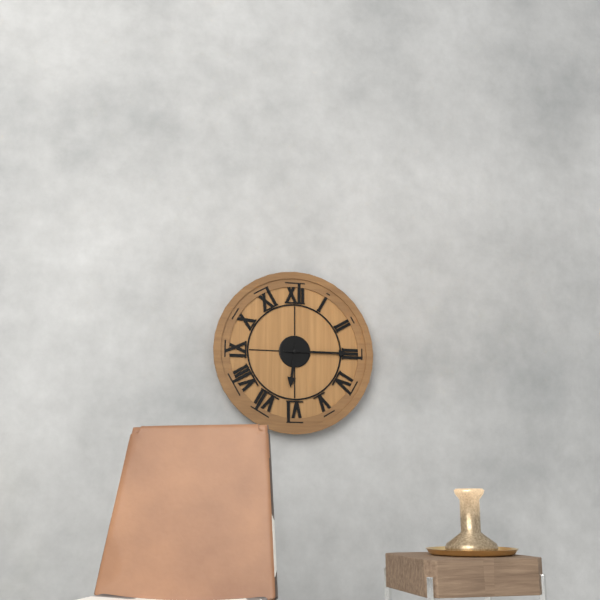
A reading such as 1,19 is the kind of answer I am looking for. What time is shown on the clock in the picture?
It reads 6,15
